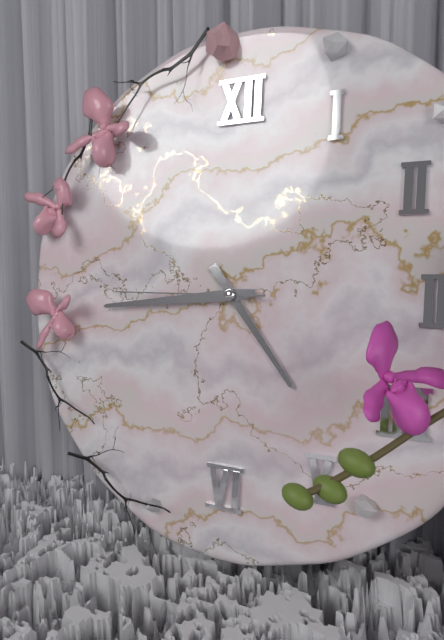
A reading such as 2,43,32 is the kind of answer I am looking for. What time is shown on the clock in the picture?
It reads 4,44,45
